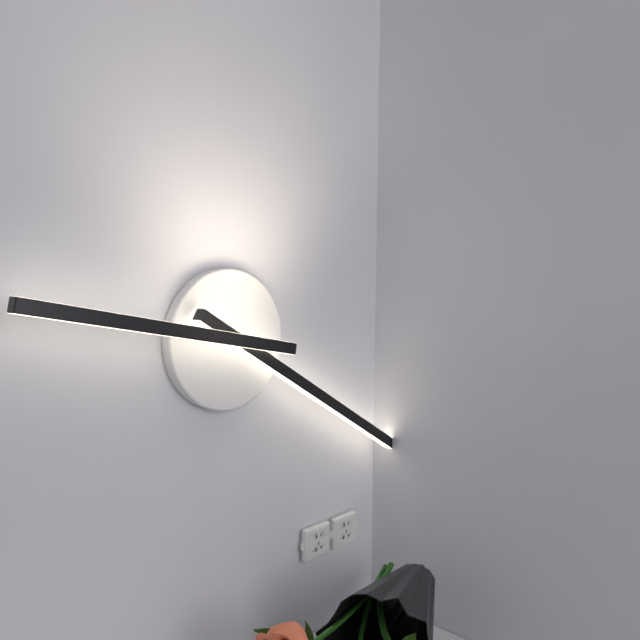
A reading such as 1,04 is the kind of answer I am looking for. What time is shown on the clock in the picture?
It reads 9,20
